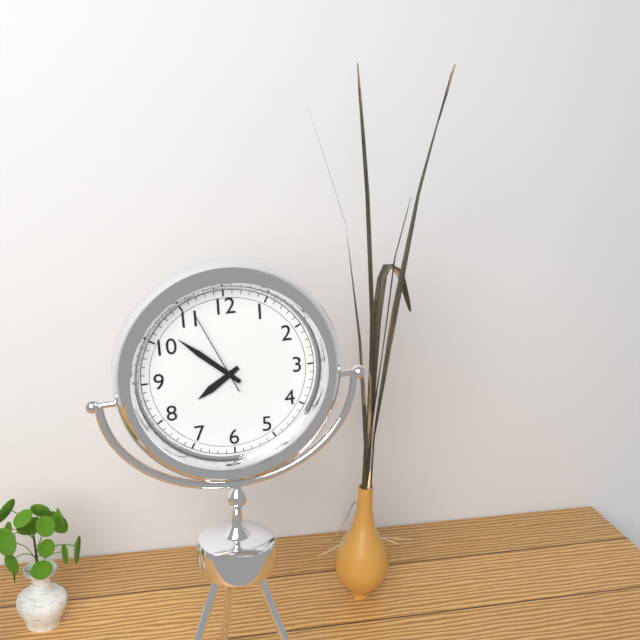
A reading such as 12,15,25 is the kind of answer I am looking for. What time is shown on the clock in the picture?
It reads 7,52,56
